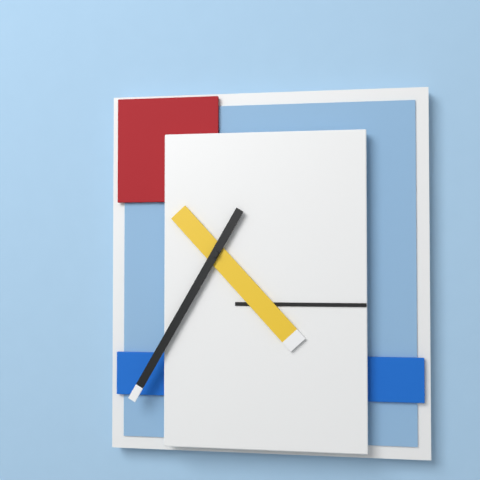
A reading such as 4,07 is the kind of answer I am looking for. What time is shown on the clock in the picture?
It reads 4,35
